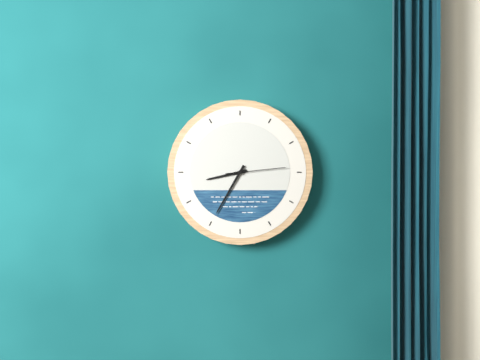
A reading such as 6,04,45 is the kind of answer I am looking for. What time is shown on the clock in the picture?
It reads 8,35,14
